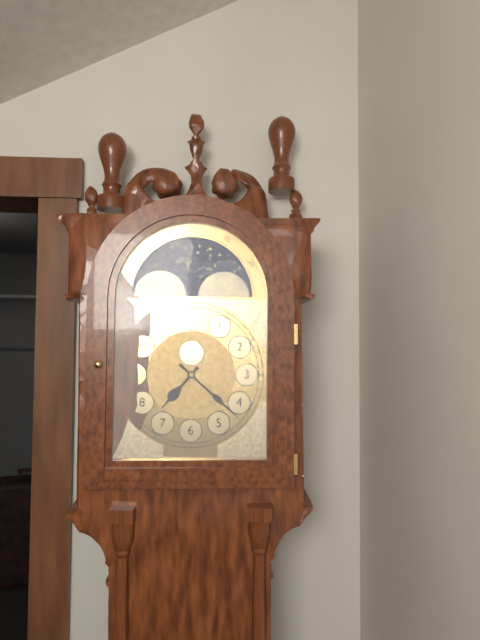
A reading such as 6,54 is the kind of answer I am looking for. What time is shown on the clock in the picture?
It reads 7,22
